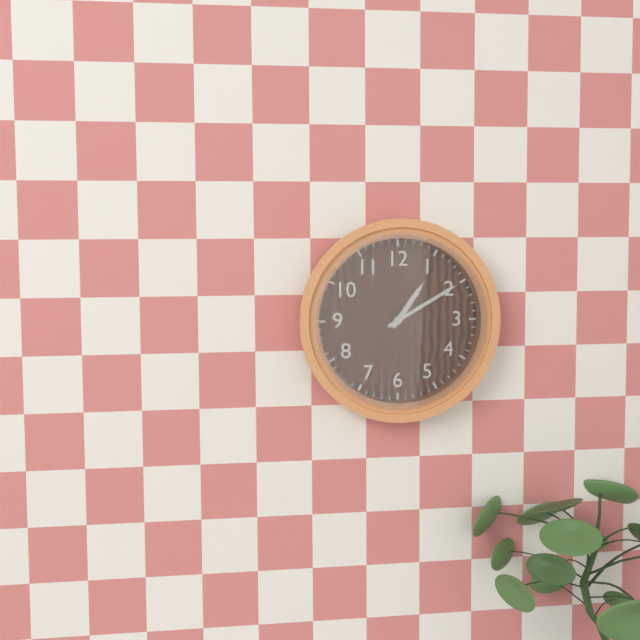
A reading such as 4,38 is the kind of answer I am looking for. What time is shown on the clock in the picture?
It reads 1,10
